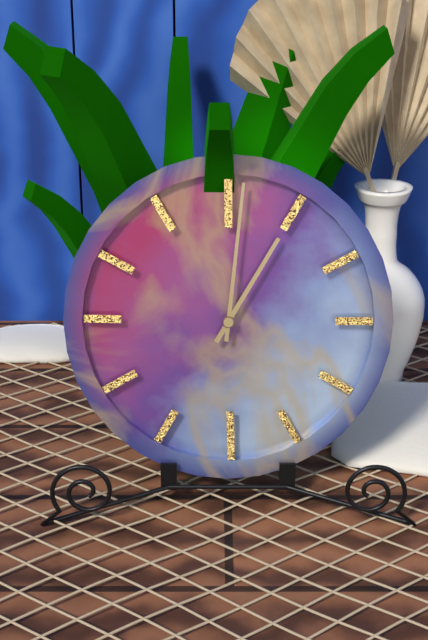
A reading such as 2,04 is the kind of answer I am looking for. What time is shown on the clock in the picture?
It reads 1,01
